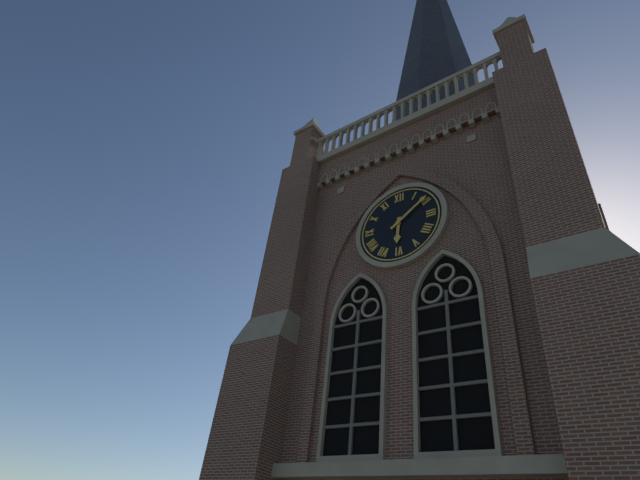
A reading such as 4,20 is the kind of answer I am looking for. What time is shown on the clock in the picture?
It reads 6,09
